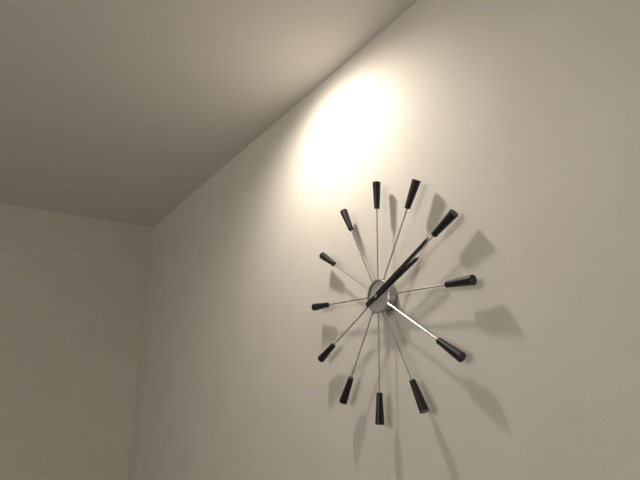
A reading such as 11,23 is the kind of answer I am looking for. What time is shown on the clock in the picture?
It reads 2,10
